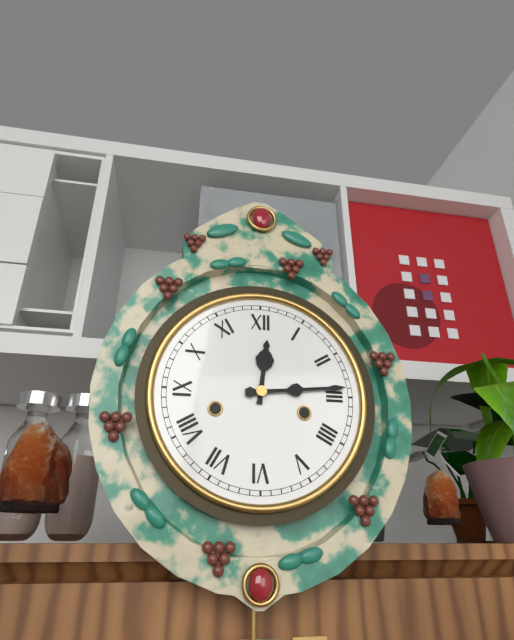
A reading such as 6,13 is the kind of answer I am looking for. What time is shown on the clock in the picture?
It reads 12,14
